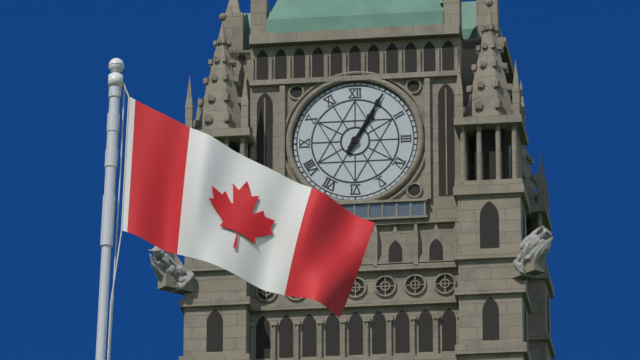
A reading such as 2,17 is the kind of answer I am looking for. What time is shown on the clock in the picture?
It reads 1,05
